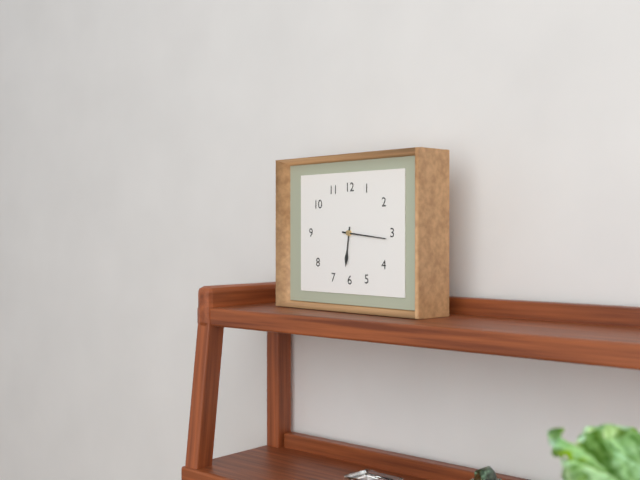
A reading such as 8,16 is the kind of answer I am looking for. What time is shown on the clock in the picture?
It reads 6,16
